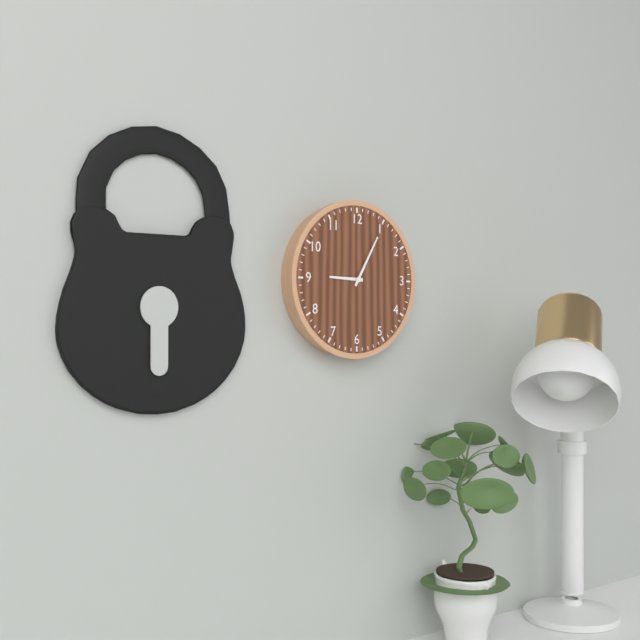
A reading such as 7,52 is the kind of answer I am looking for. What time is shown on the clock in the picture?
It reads 9,05
